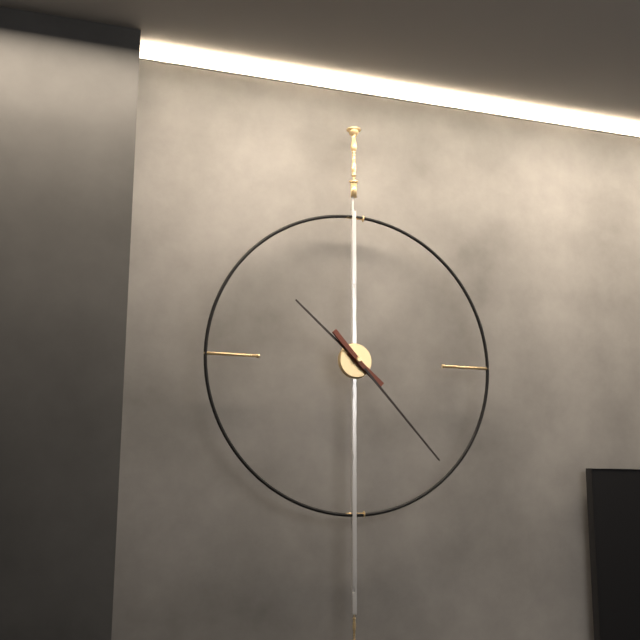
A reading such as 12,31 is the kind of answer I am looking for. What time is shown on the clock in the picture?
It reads 10,23
